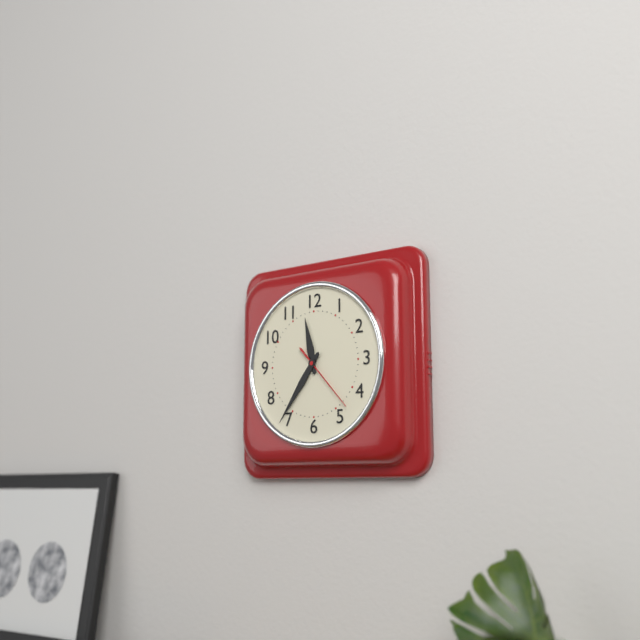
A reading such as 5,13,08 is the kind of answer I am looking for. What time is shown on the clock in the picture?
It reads 11,36,23
